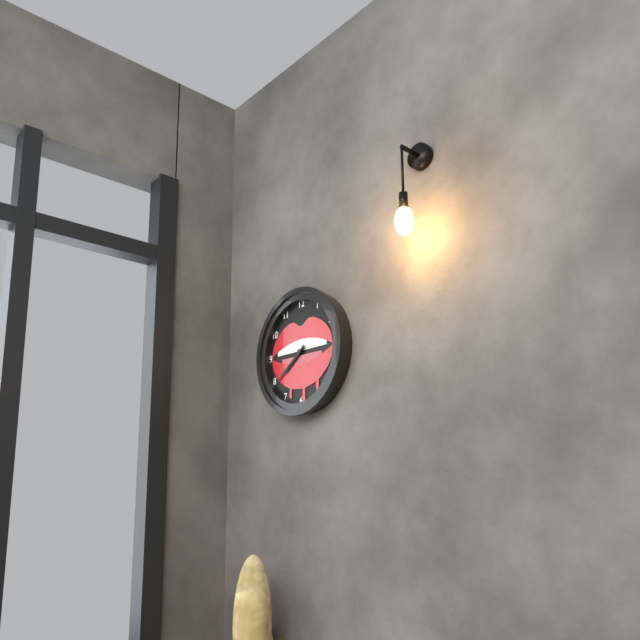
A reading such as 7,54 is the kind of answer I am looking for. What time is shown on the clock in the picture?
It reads 7,39
